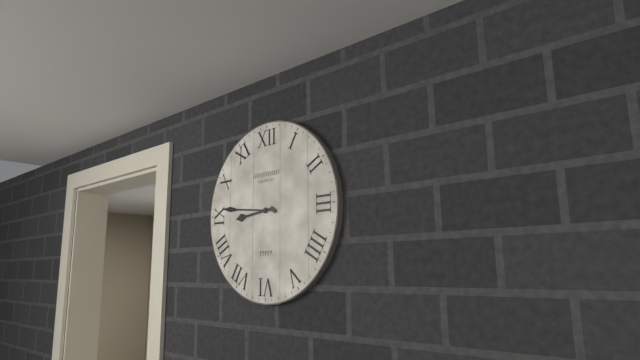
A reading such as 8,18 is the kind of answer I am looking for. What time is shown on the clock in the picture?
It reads 8,46
